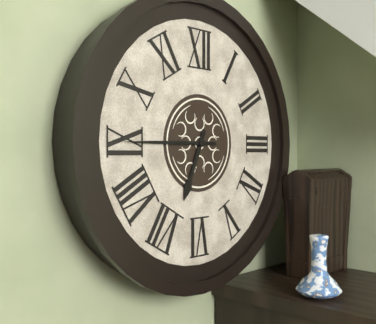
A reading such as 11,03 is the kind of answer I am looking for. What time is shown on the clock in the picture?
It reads 6,45
